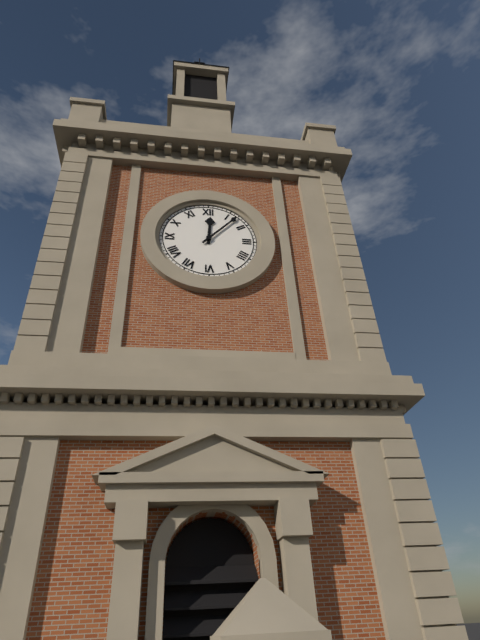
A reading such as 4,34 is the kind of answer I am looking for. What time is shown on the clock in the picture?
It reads 12,07
